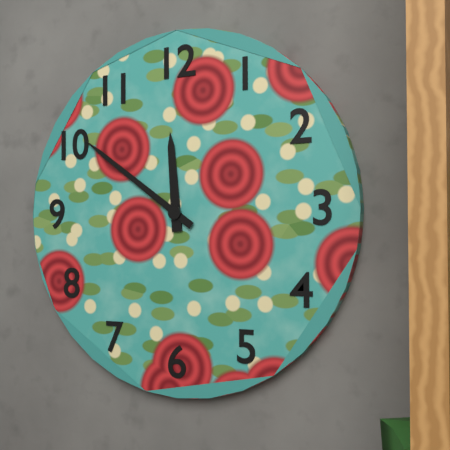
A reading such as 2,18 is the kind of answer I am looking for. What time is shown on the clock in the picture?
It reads 11,51
